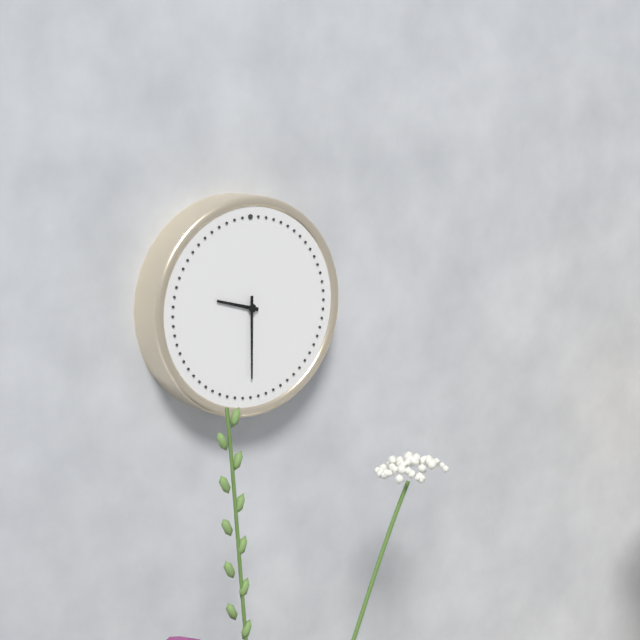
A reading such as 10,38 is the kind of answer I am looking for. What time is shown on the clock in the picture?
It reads 9,30
